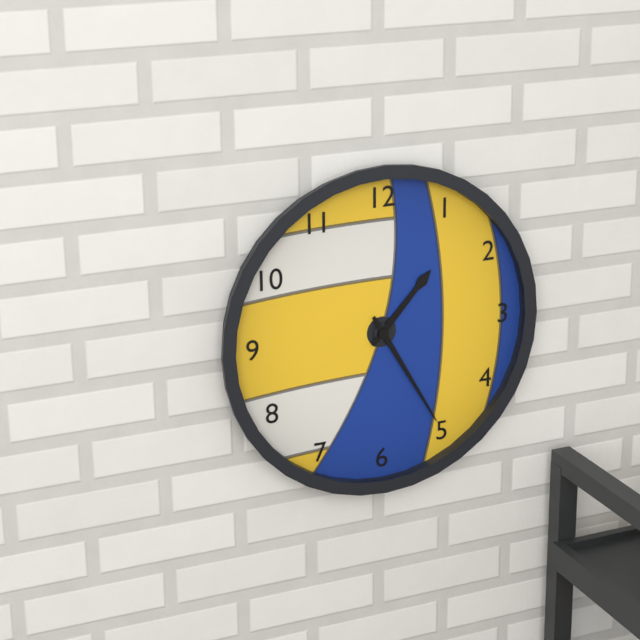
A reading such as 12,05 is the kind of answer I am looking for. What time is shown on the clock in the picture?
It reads 1,25
